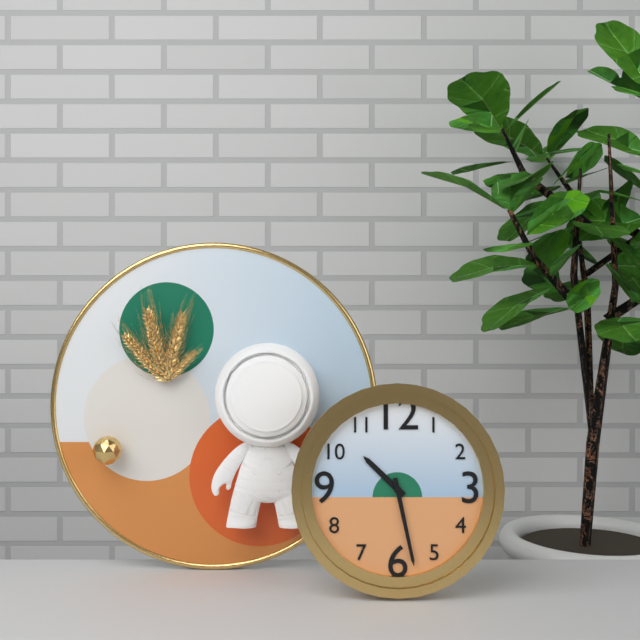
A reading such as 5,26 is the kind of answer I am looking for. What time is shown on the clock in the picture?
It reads 10,28
